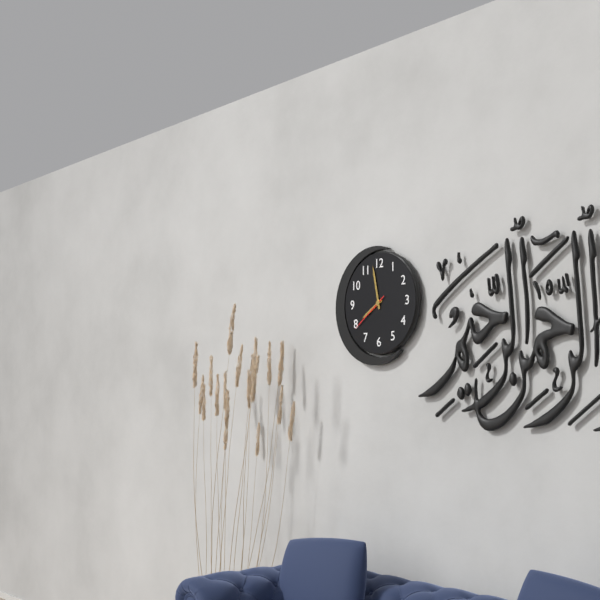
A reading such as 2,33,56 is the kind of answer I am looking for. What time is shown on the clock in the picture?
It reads 7,58,39
